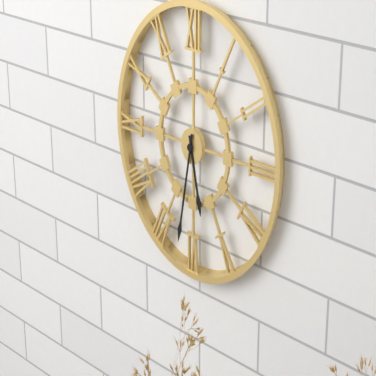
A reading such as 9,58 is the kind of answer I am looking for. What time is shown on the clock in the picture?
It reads 5,32
